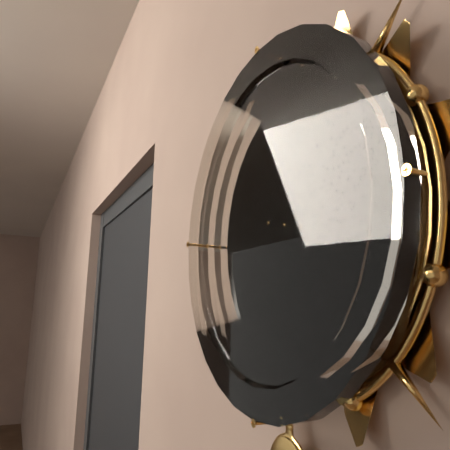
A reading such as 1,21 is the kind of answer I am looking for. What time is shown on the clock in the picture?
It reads 10,15
